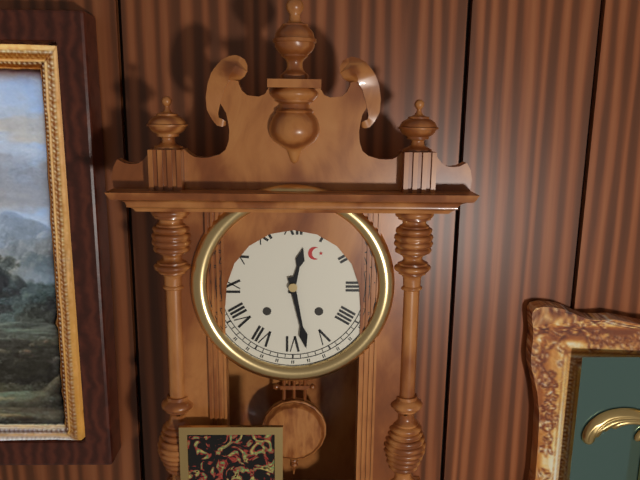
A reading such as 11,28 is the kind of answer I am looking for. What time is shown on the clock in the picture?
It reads 12,28
